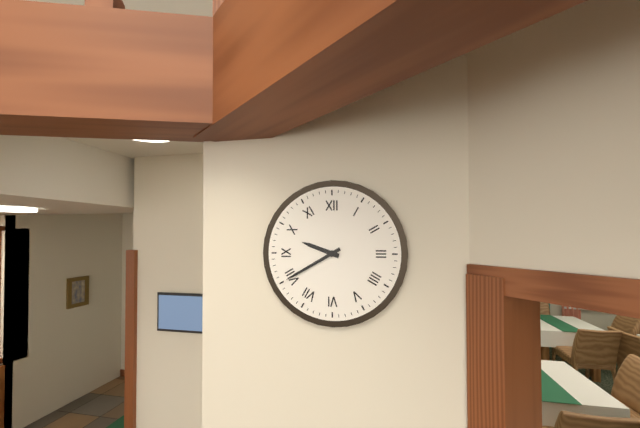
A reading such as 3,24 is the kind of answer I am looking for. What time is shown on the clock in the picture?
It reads 9,40
